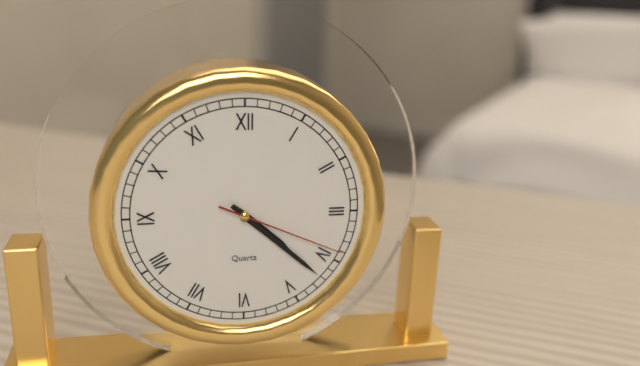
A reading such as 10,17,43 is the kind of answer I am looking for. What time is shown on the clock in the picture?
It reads 4,22,19
